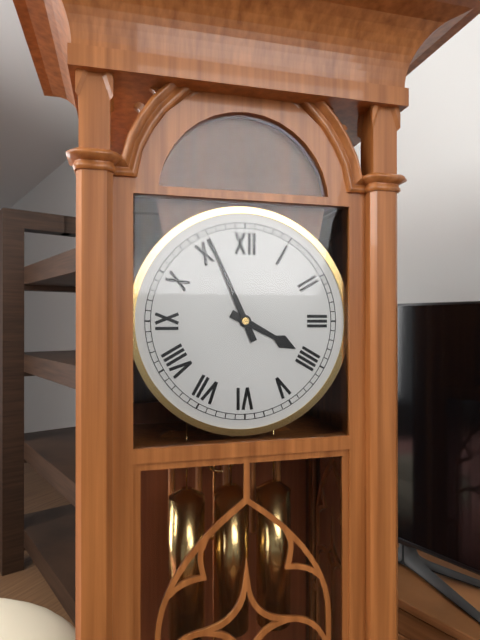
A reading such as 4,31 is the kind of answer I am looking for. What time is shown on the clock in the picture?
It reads 3,56
